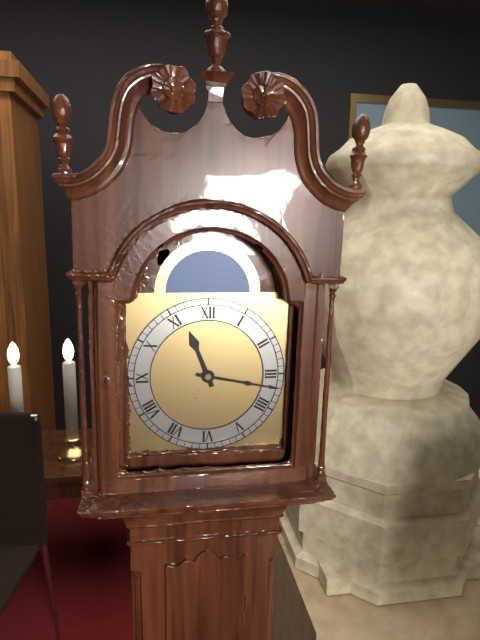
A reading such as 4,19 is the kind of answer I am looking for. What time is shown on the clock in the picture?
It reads 11,17
